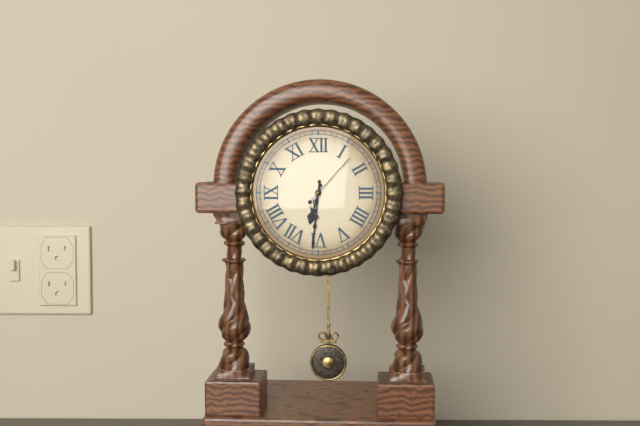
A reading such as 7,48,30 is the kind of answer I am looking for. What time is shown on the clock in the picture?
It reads 6,31,07
